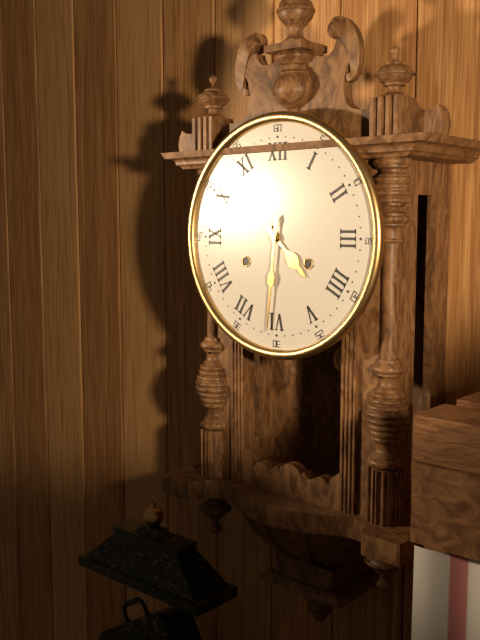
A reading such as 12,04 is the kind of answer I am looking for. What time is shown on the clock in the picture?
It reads 4,31
